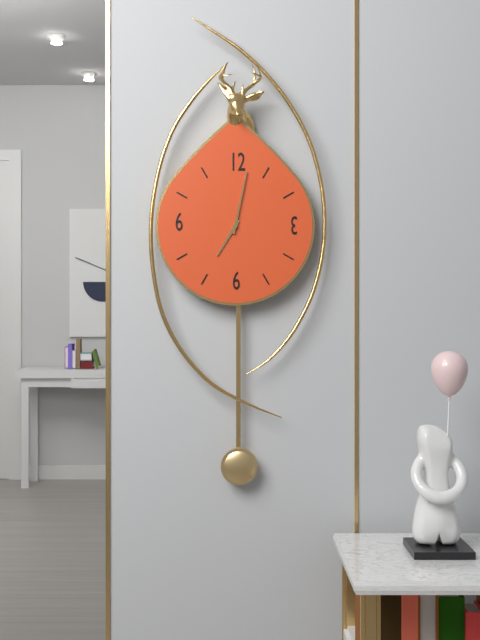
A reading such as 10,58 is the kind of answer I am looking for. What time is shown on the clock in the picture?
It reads 7,02
